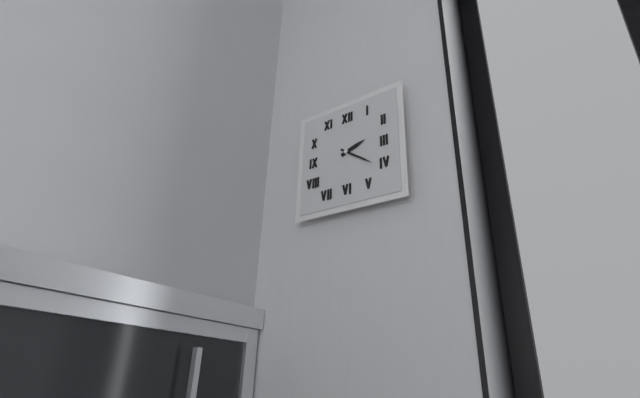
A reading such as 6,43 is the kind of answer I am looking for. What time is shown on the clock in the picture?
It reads 2,21
